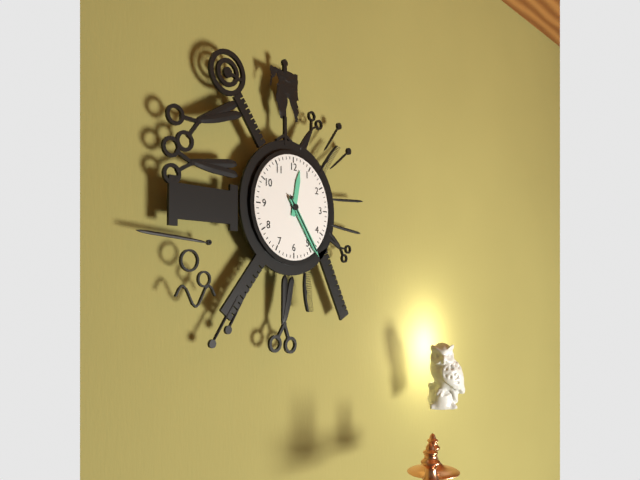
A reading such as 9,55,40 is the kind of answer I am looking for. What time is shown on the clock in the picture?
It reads 12,24,24
